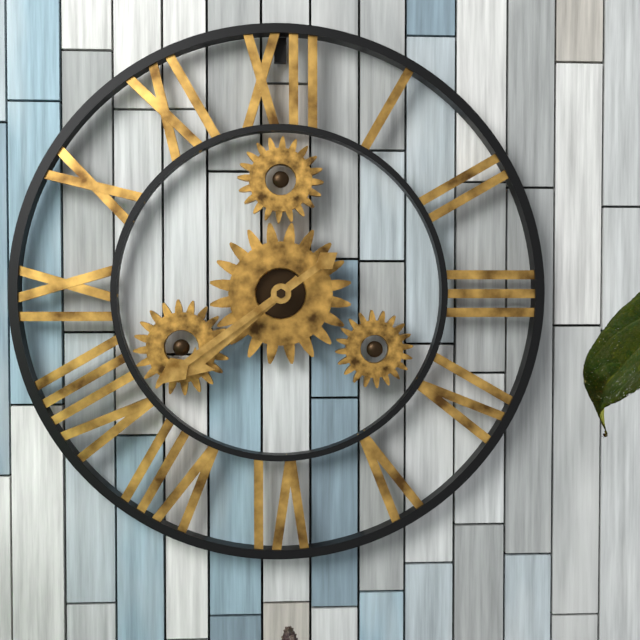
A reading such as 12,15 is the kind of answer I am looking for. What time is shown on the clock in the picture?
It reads 7,39
